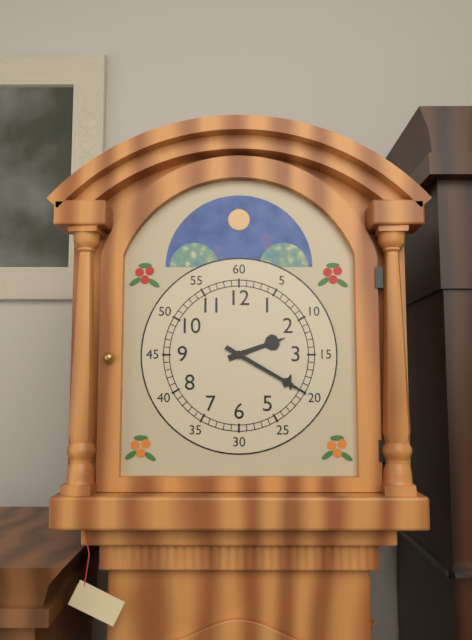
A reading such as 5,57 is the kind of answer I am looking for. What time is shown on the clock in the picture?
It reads 2,20
